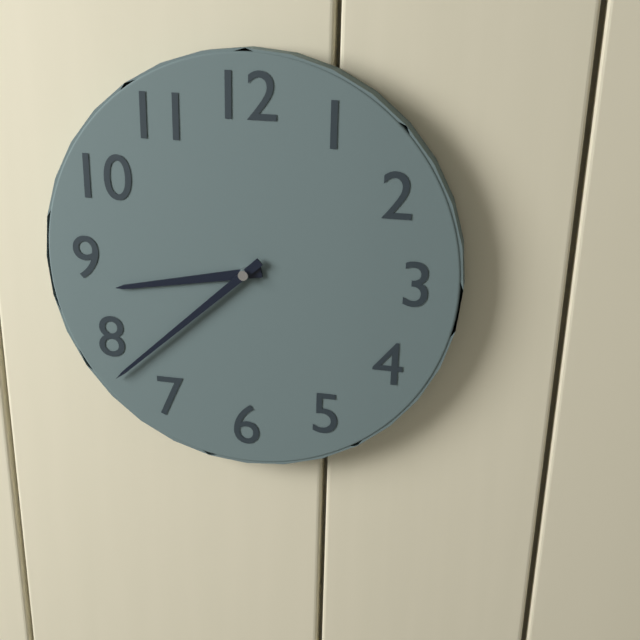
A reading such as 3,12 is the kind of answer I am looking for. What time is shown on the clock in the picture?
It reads 8,38
